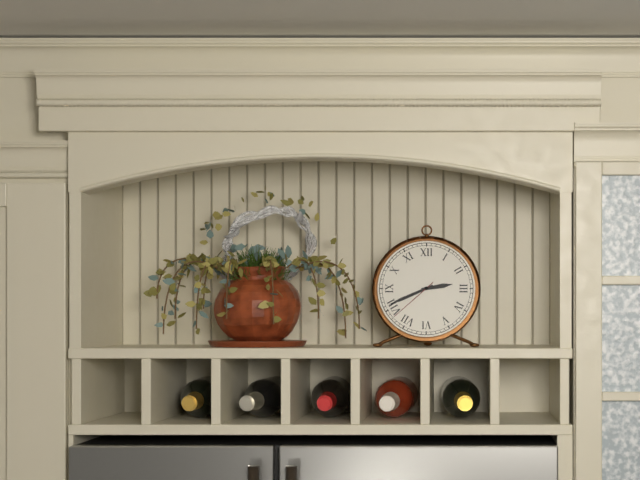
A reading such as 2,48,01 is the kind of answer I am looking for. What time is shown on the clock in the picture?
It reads 2,41,38
